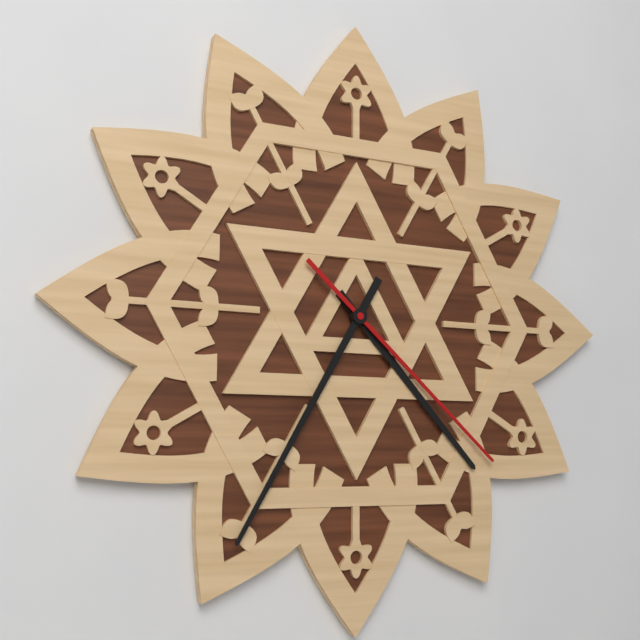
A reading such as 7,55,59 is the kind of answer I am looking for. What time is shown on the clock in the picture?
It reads 4,35,22
